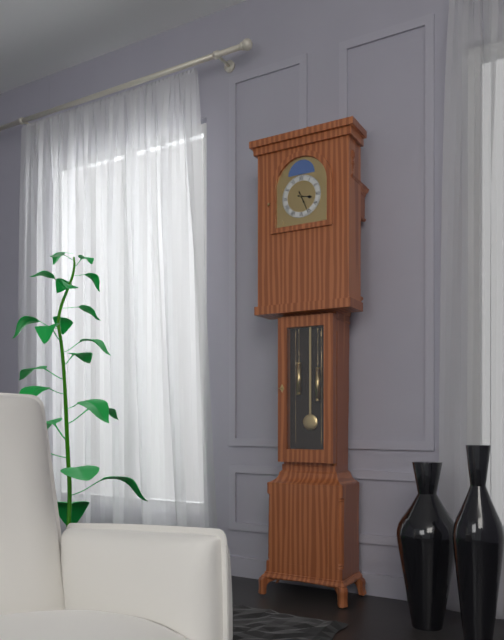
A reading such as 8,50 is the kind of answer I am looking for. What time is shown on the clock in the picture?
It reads 3,26
